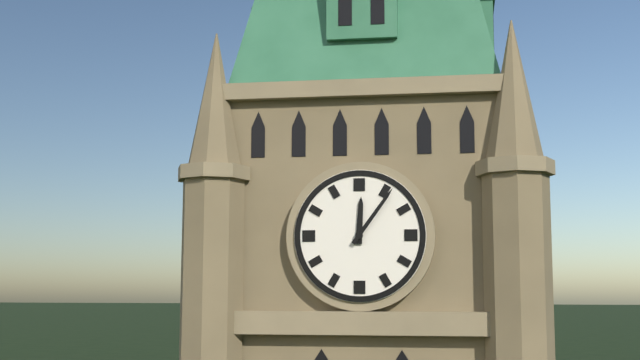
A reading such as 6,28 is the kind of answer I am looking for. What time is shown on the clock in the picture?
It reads 12,06
